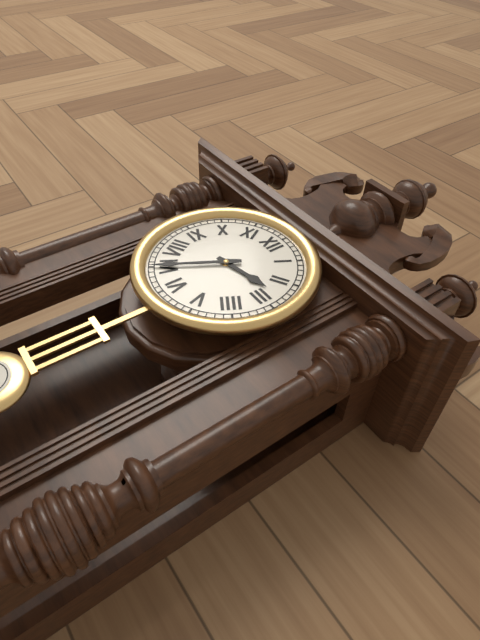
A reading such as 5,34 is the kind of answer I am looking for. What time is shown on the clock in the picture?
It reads 2,35
